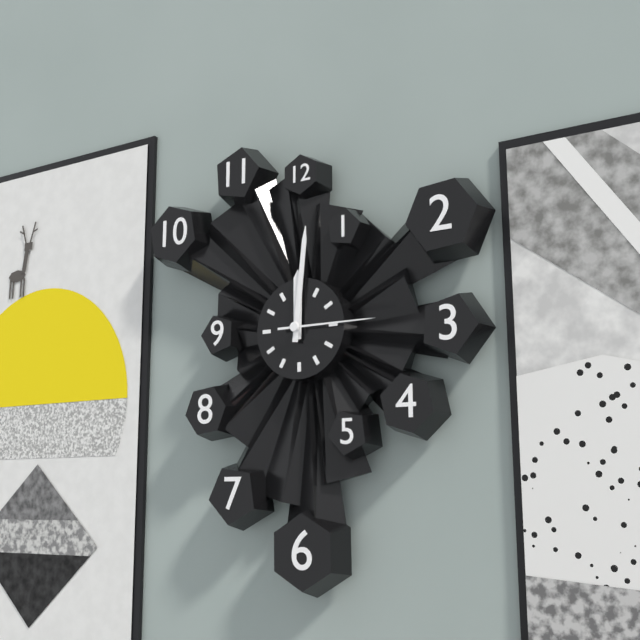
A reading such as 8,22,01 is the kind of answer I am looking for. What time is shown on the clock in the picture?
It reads 12,01,15
